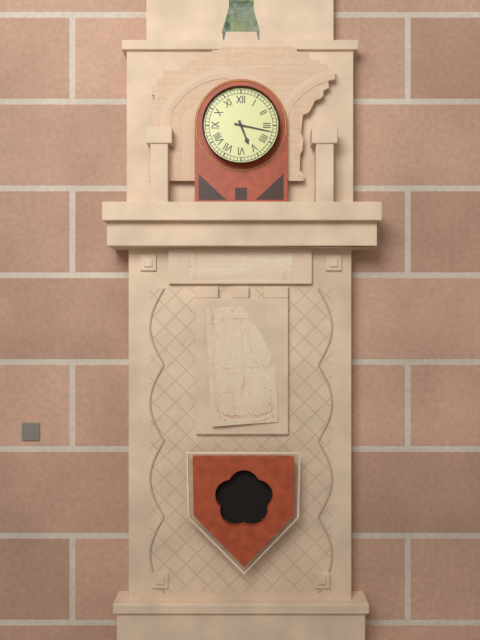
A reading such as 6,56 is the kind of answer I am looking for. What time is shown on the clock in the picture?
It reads 5,17
